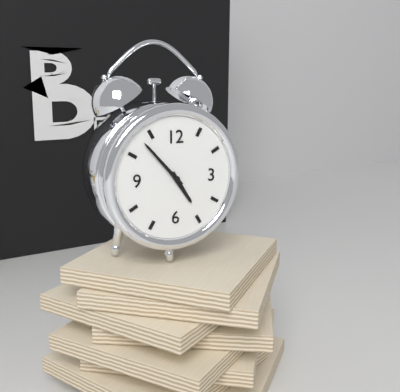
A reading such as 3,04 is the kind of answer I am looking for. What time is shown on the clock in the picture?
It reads 4,53
